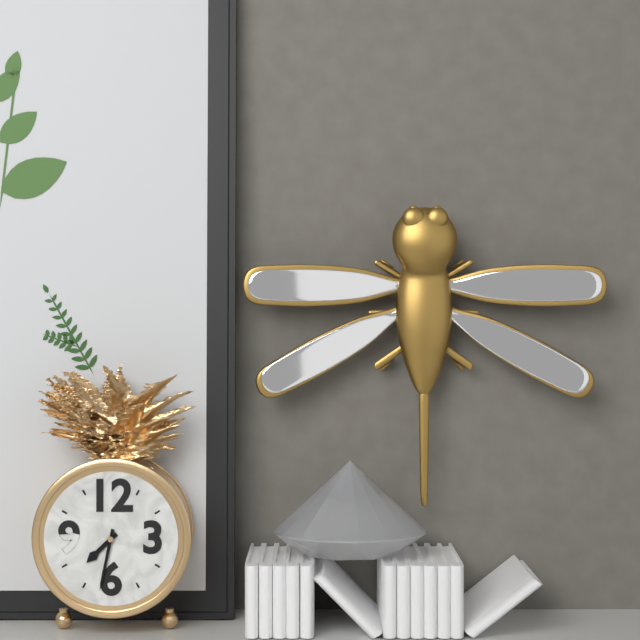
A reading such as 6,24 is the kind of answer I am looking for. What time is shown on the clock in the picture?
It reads 7,32
